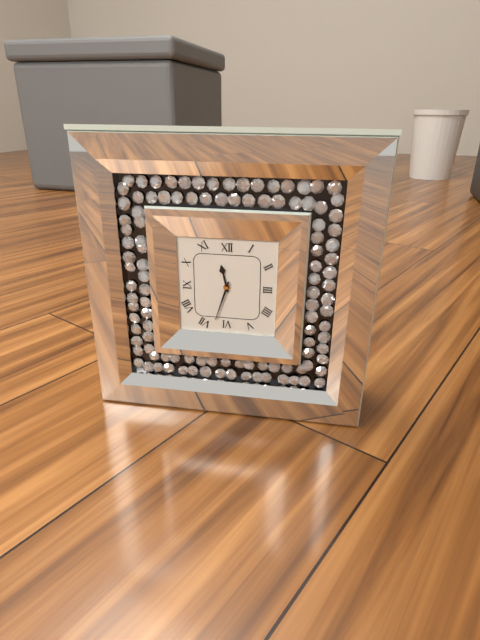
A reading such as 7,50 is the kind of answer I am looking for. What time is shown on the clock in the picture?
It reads 11,33
